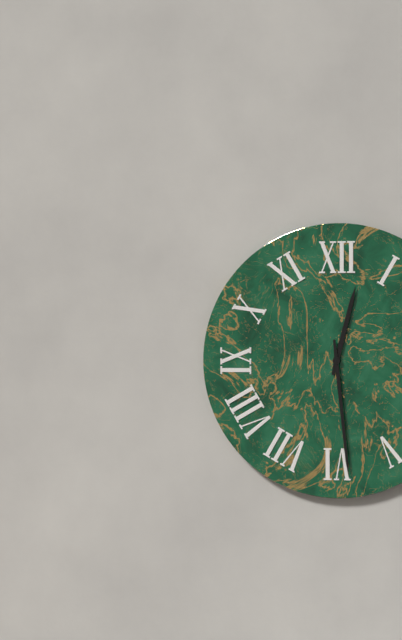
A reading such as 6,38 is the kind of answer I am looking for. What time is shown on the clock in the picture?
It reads 12,29
